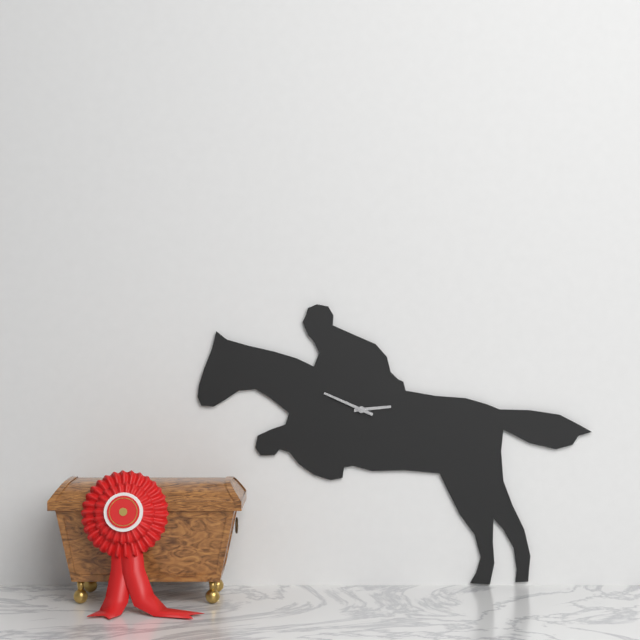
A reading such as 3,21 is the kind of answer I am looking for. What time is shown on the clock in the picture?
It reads 2,49
